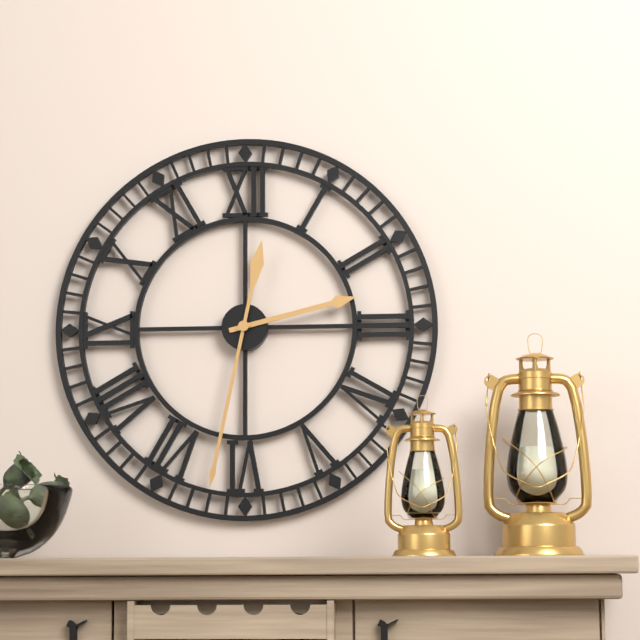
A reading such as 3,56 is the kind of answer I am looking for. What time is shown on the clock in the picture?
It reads 2,32
